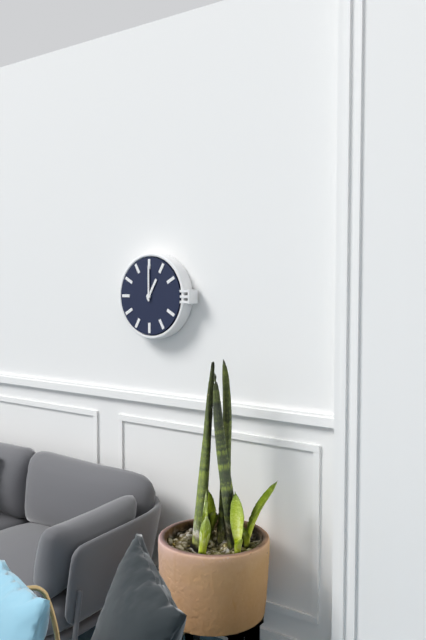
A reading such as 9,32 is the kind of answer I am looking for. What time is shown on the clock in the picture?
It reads 1,00
